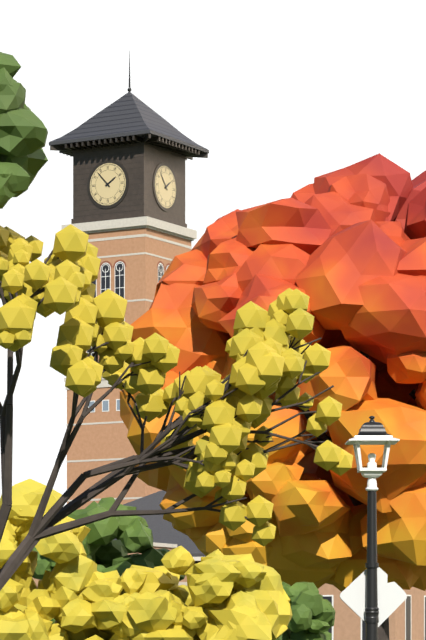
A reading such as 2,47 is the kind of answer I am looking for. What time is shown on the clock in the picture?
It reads 1,53
